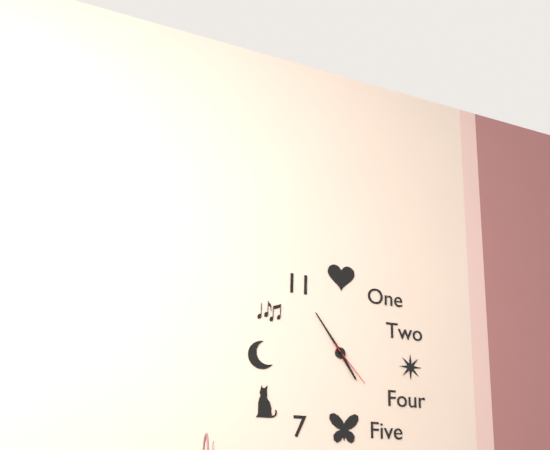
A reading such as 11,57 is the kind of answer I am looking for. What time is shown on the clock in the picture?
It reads 4,54
